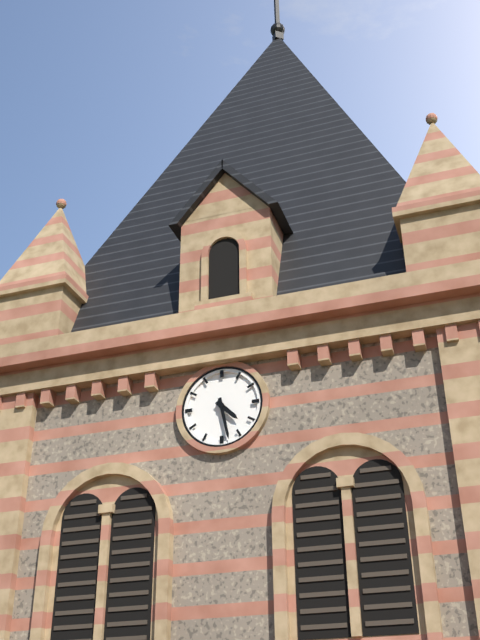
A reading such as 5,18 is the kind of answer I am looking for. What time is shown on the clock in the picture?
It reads 4,28
